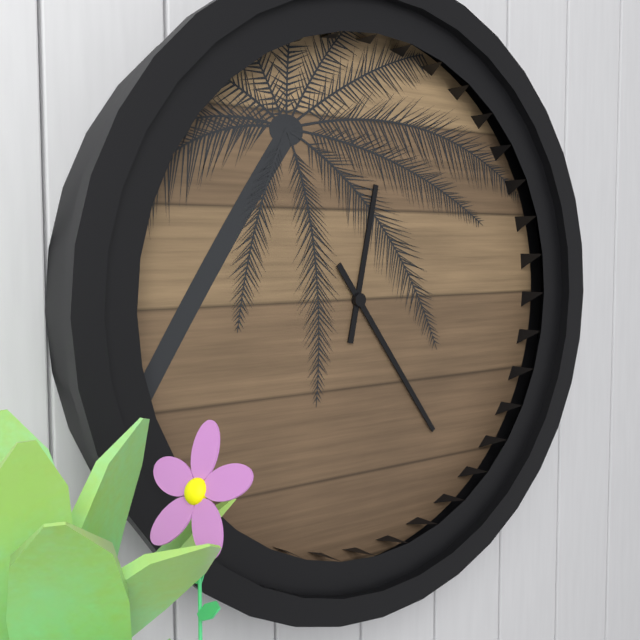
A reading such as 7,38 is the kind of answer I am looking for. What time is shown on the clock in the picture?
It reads 12,24
